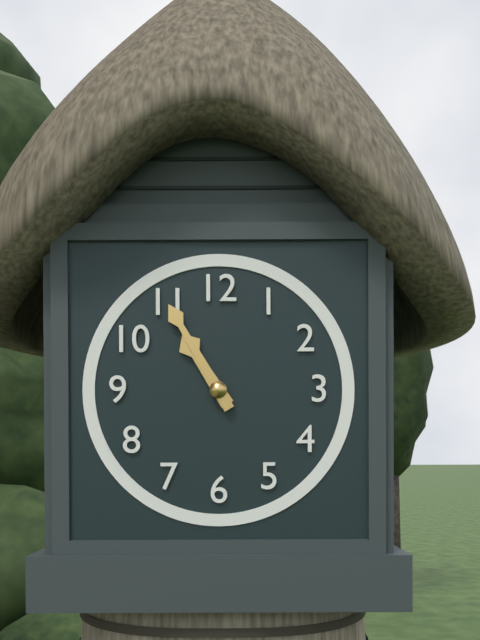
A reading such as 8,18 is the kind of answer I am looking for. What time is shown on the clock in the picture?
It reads 10,55
